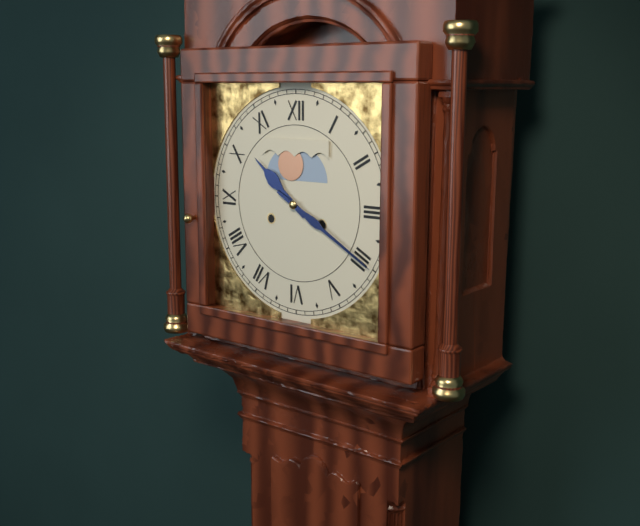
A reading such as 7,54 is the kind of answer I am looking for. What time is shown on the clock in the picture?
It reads 10,20
